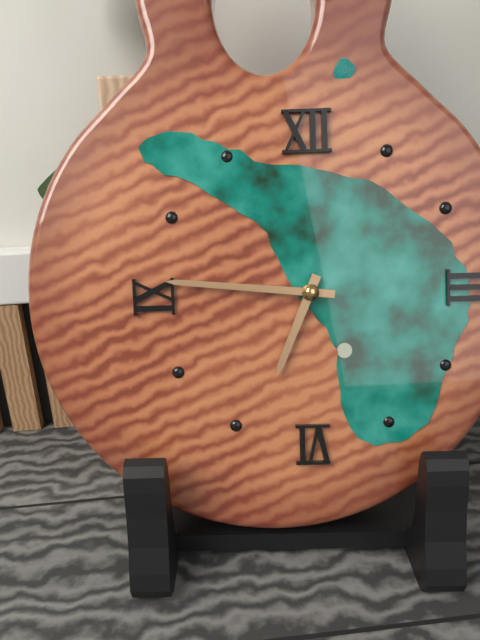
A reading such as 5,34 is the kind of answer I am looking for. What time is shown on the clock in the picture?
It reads 6,46
